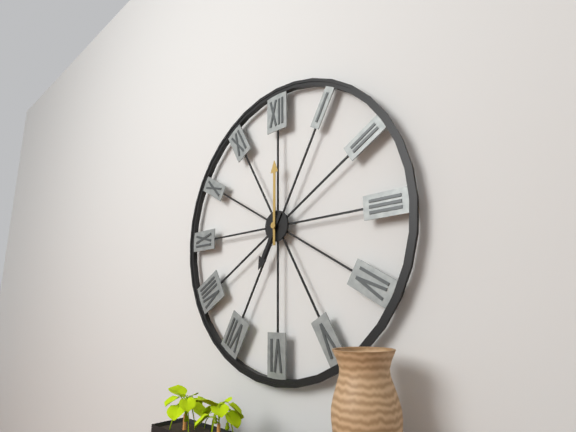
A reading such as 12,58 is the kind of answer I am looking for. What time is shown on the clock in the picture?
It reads 7,00
